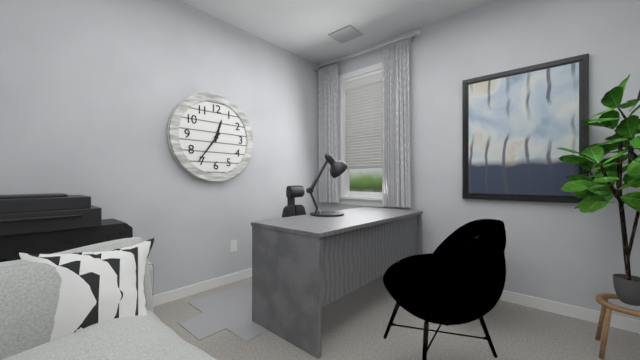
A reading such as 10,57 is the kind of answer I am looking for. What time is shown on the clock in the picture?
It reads 12,36
